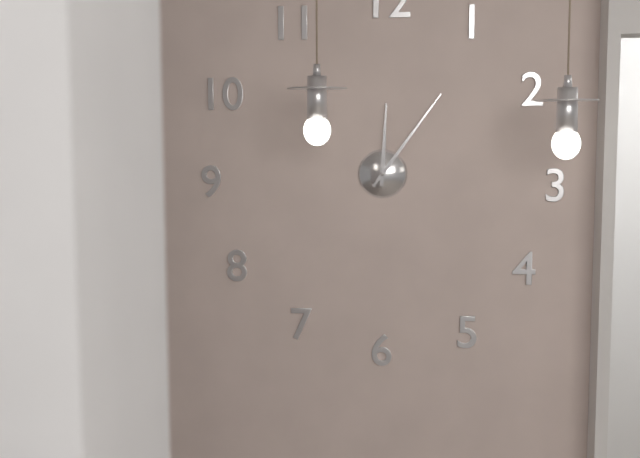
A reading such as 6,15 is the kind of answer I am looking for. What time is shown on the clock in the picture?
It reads 12,06
